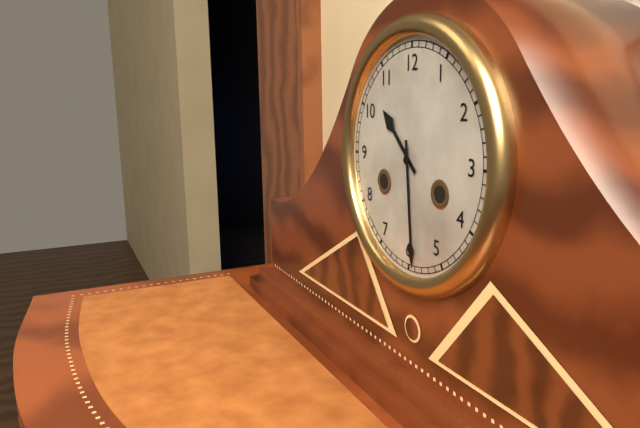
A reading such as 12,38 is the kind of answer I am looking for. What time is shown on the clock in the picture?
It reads 10,29
